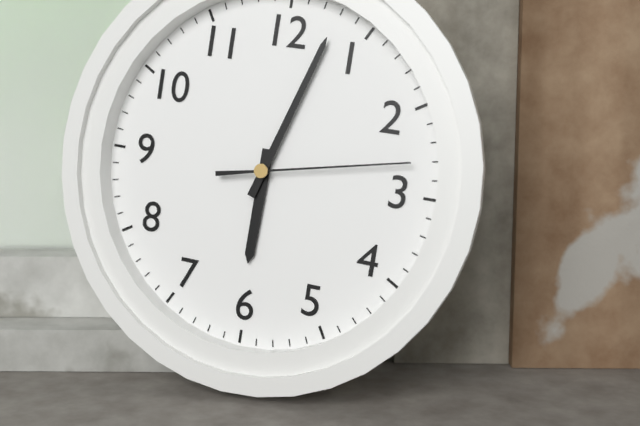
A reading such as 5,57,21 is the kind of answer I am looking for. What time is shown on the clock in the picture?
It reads 6,03,13
